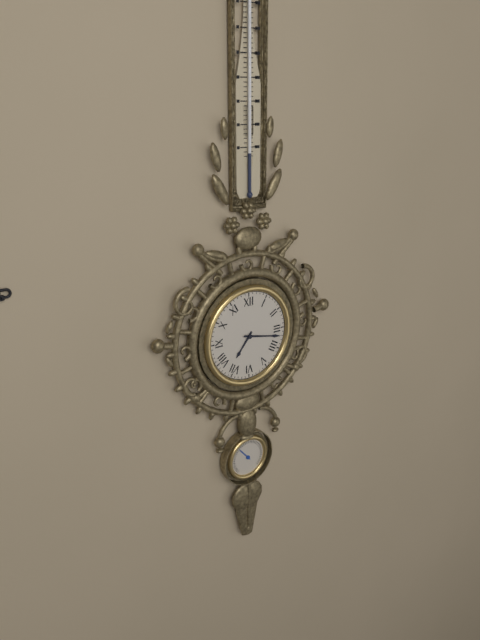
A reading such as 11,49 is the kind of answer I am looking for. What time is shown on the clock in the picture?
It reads 7,17
